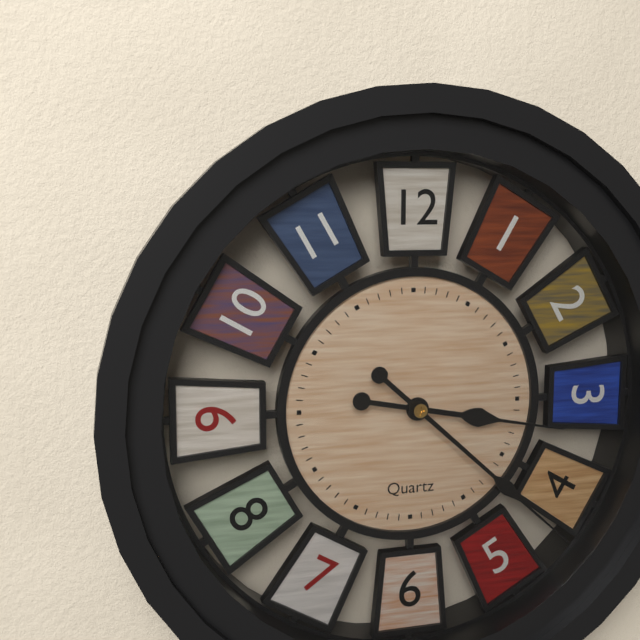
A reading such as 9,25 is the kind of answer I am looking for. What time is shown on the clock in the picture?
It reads 3,22
